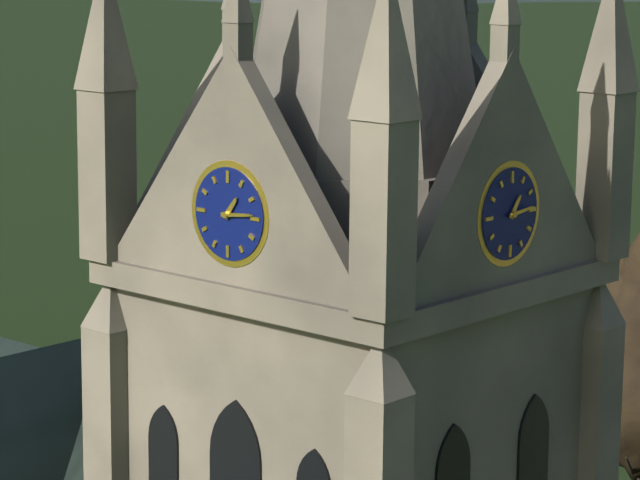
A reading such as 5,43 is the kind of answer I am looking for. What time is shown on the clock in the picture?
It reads 1,14
